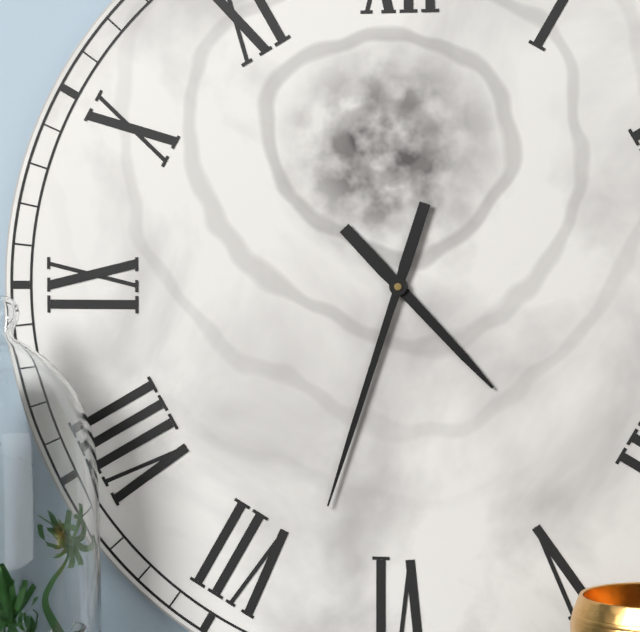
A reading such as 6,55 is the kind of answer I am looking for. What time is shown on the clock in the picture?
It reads 4,33
